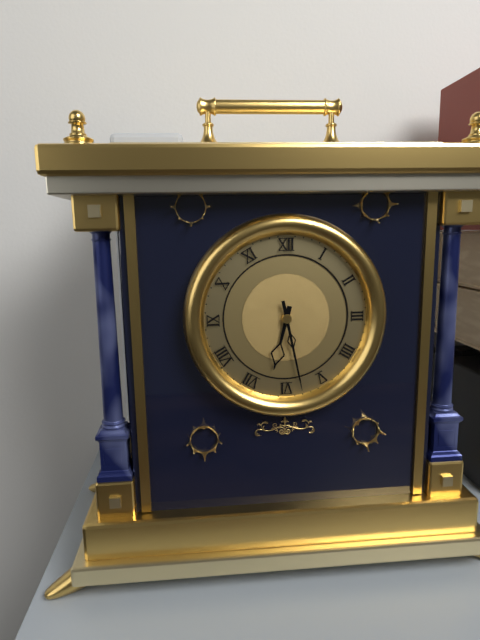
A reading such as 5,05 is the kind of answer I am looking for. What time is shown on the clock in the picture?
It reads 6,28
